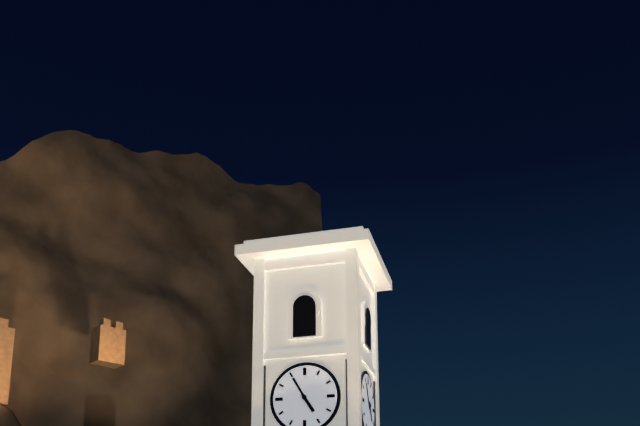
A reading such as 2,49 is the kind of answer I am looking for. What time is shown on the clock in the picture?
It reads 4,55
